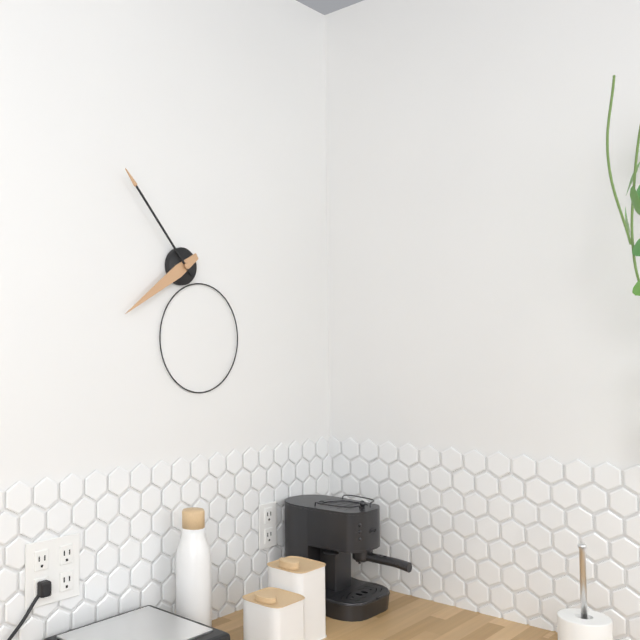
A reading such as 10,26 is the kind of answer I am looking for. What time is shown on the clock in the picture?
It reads 7,53
